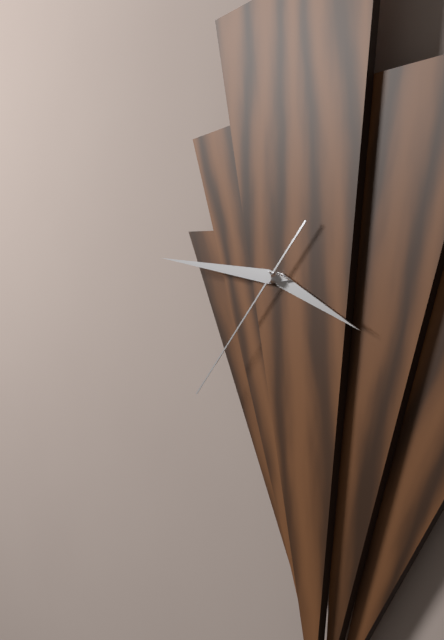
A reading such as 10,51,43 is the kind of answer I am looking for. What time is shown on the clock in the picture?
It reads 3,46,37
